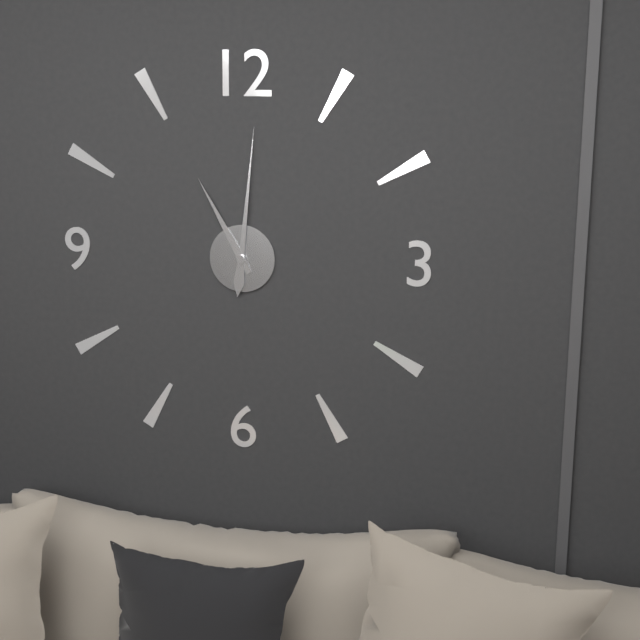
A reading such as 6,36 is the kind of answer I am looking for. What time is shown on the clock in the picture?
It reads 11,01
